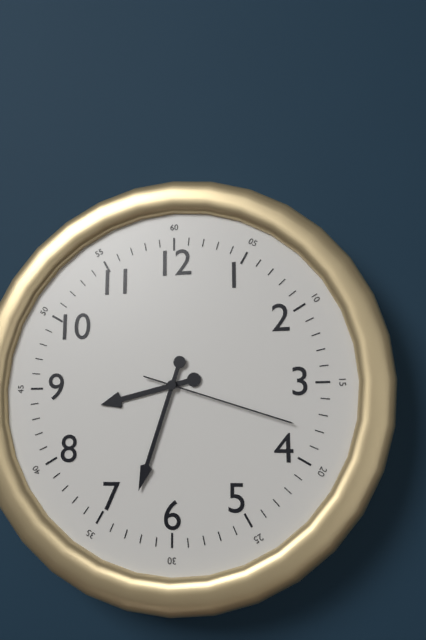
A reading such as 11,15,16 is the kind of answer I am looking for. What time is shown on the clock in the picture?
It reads 8,33,18
